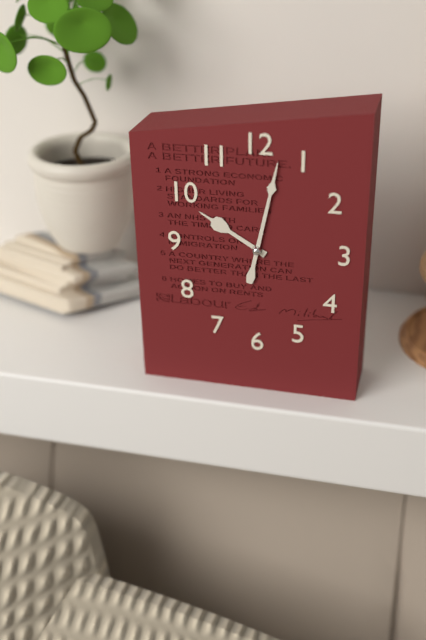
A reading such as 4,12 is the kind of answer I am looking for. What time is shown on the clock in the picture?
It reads 10,02
